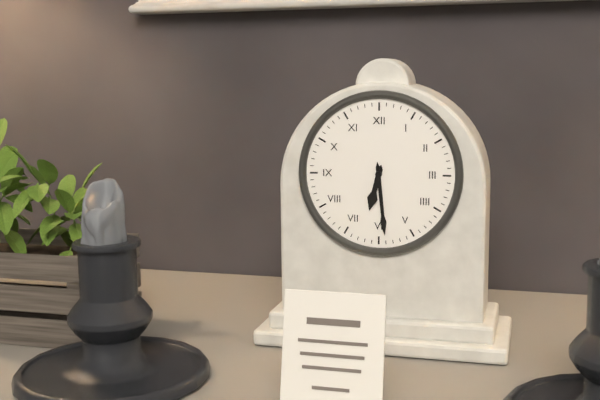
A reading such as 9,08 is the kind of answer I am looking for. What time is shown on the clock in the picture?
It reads 6,29
